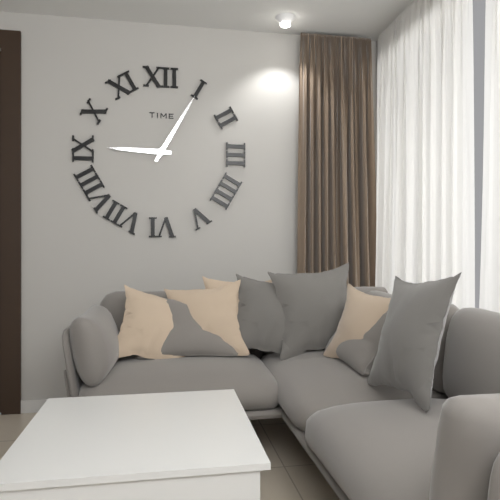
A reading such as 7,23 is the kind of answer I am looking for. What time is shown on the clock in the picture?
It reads 9,05
